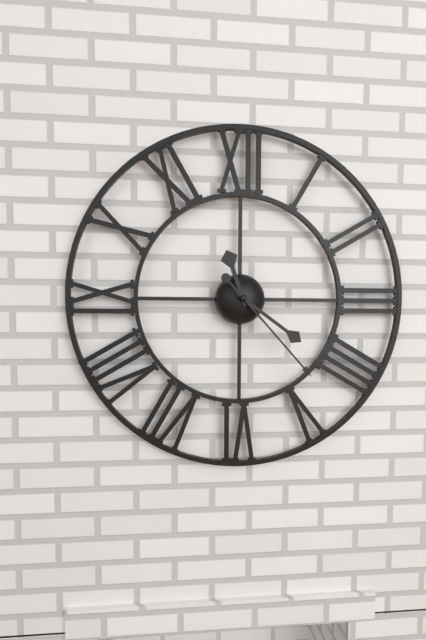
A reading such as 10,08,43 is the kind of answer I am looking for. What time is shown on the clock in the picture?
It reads 11,21,23
